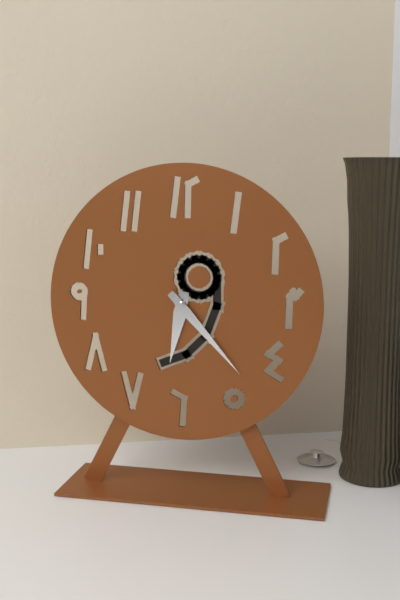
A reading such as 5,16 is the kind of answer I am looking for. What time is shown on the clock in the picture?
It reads 6,23
